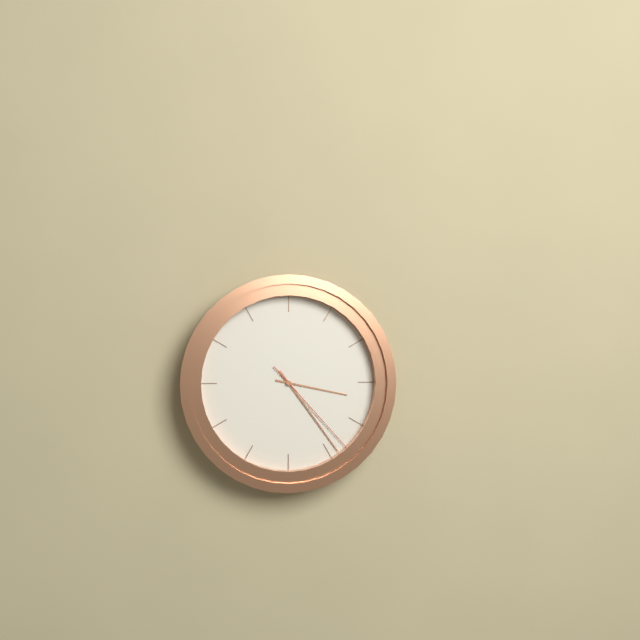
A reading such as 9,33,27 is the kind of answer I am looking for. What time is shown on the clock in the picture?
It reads 3,24,23
